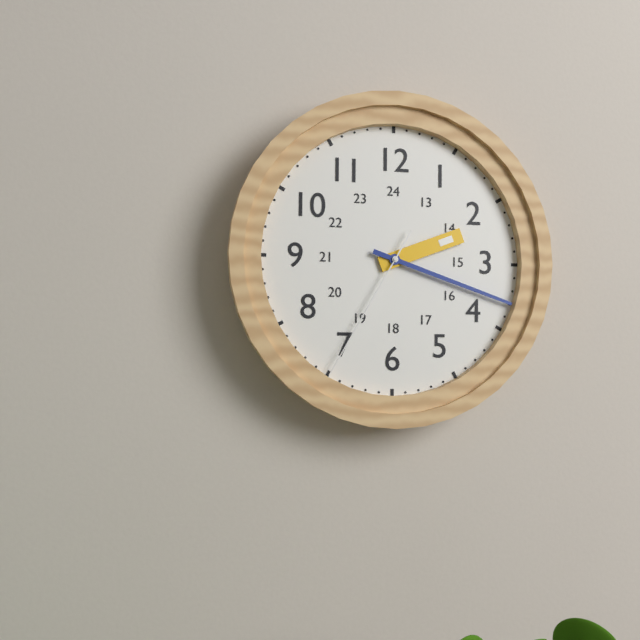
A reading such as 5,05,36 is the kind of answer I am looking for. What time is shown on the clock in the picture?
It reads 2,18,35
